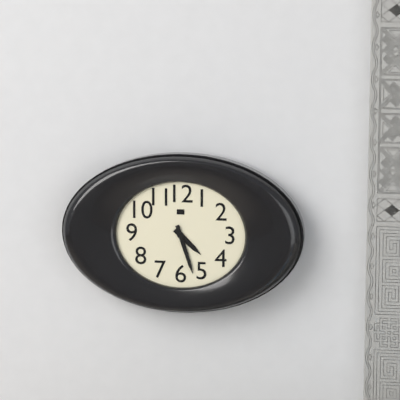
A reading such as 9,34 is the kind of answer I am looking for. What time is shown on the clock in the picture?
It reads 4,27
